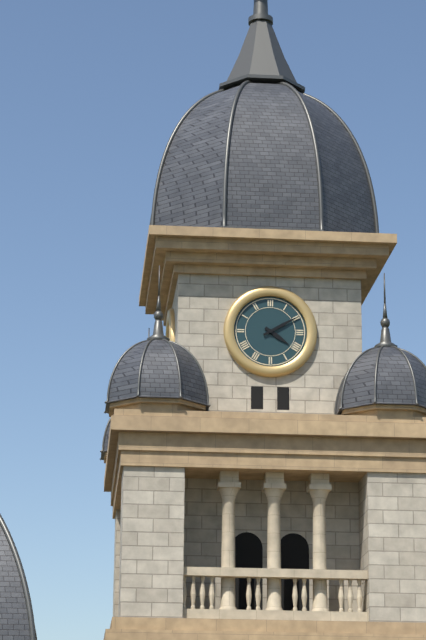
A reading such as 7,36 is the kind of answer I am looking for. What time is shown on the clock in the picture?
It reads 4,10
